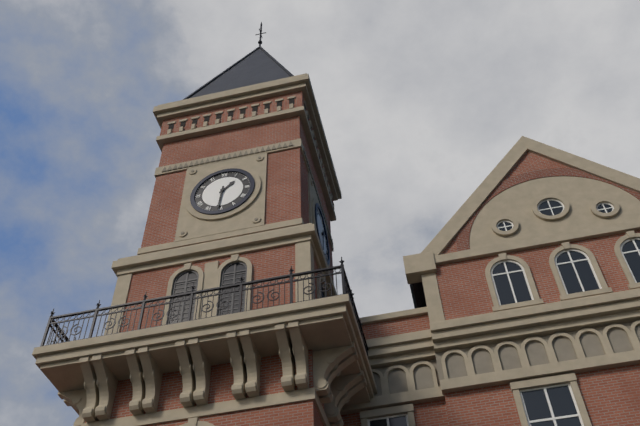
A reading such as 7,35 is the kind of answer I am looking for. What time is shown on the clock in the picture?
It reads 1,31
